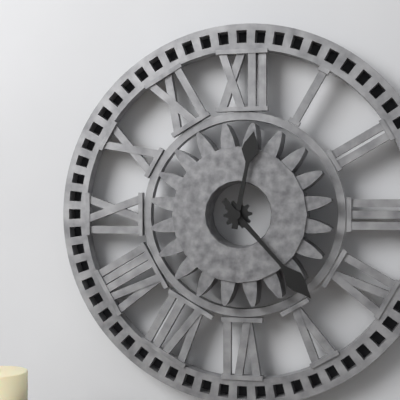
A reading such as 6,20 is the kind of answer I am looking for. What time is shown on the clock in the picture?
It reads 12,23
